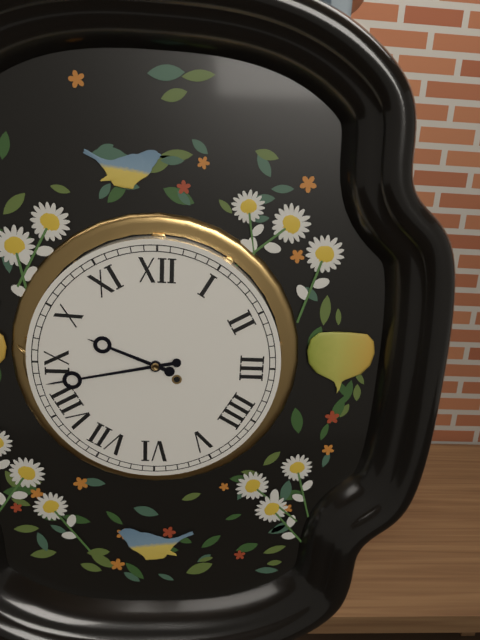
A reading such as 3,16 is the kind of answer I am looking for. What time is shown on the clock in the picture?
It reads 9,43
